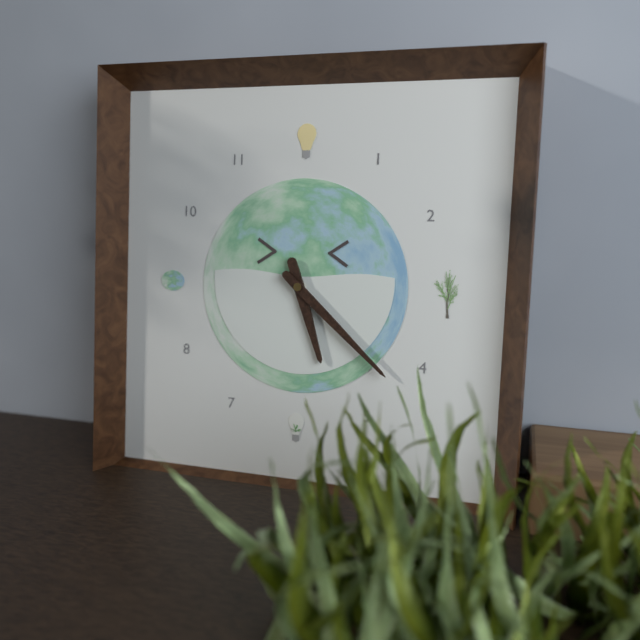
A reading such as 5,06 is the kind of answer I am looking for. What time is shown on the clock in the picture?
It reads 5,22
